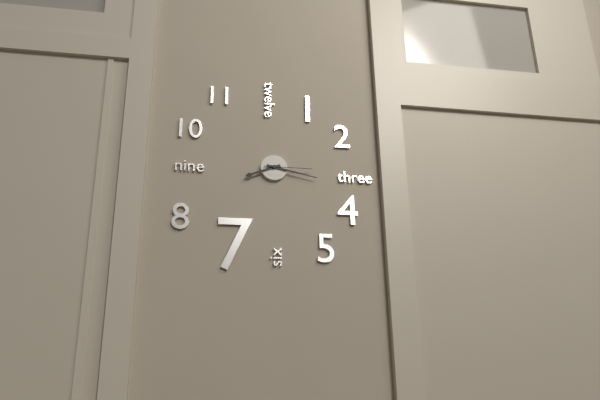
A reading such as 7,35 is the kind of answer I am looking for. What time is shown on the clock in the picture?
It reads 8,17
